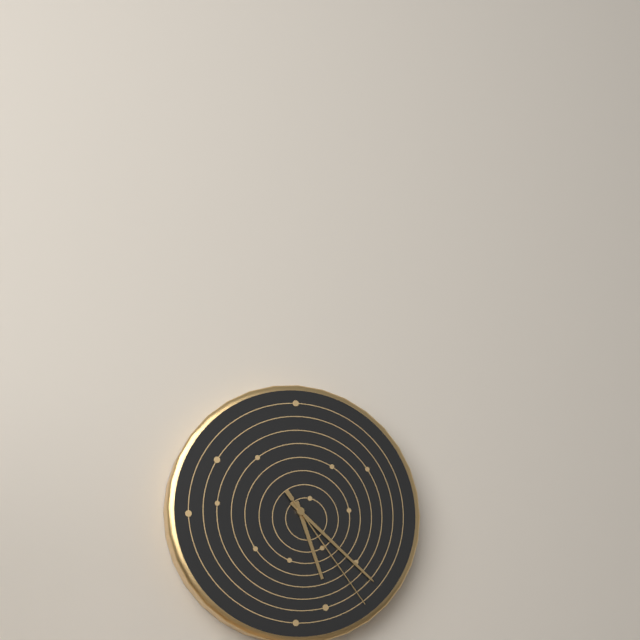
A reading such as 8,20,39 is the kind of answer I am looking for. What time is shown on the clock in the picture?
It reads 5,22,24
